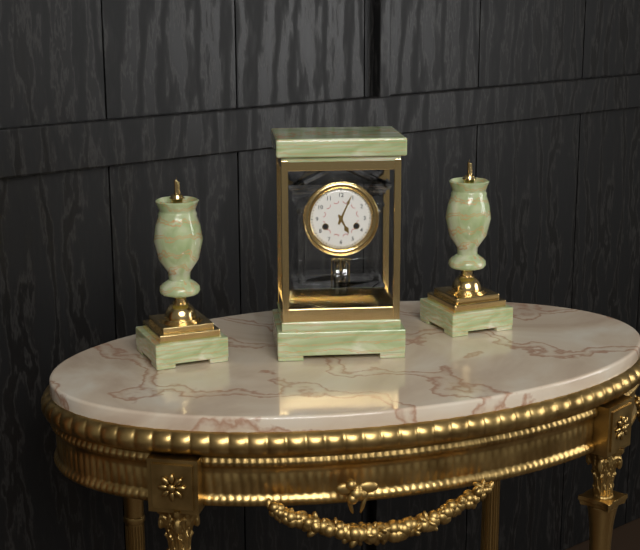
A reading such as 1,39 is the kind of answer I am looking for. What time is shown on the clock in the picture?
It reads 5,04
